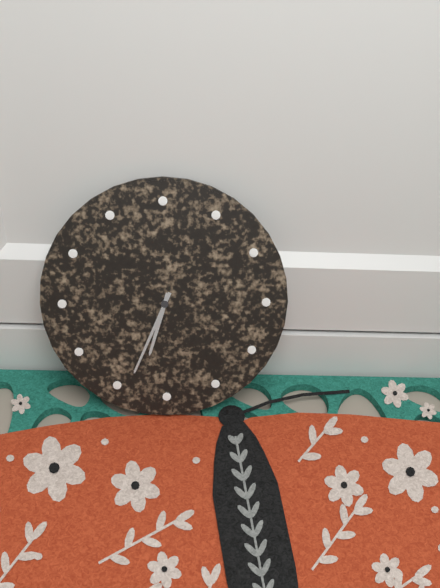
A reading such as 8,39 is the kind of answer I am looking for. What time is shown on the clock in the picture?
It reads 6,34
